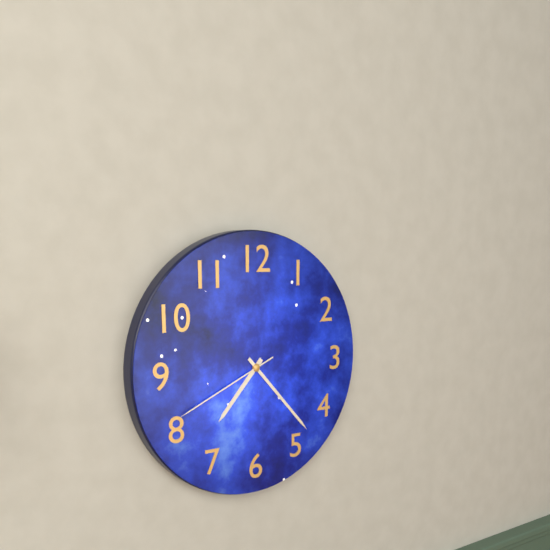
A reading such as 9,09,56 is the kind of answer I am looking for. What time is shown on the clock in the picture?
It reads 7,23,41
